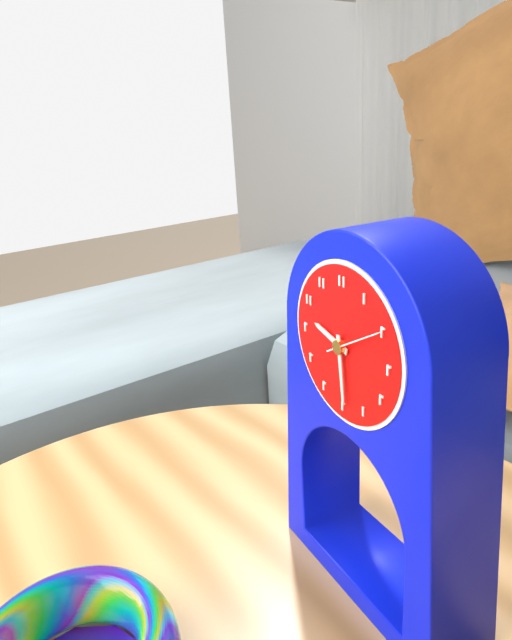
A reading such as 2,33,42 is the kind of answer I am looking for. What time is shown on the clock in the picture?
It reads 9,29,10
